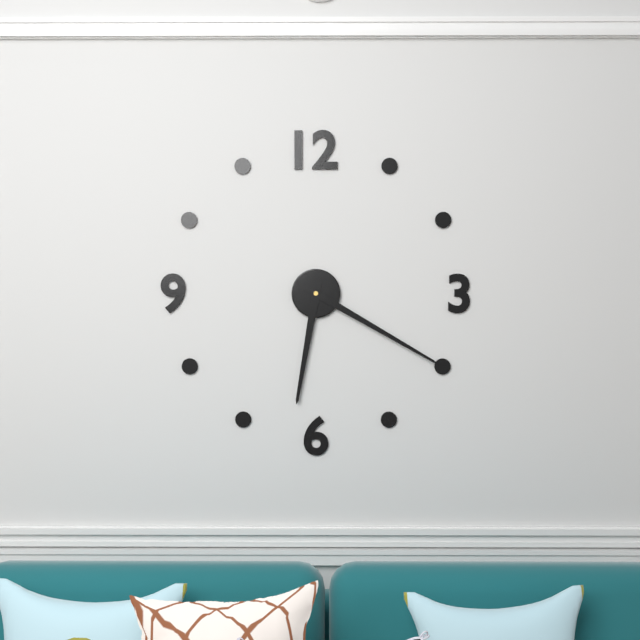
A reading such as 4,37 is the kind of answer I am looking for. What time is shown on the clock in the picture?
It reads 6,20
